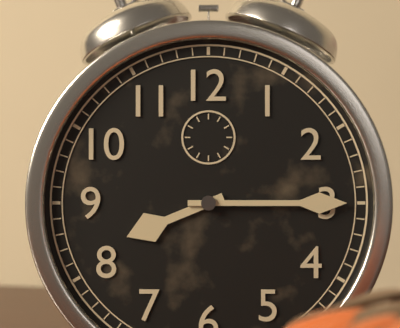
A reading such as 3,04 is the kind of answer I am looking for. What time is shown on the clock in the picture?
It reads 8,15
